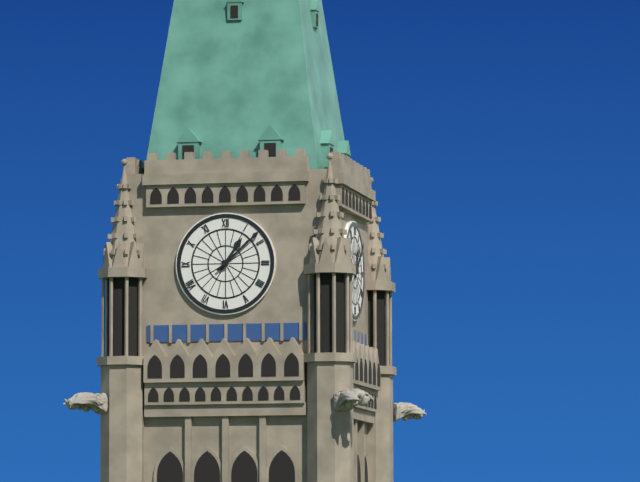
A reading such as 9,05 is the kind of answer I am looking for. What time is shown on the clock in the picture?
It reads 1,08
